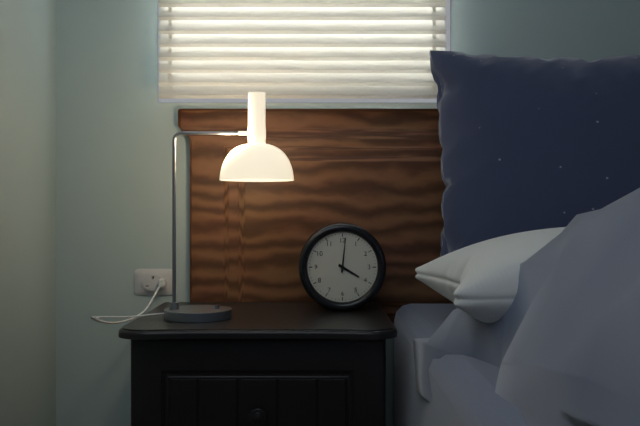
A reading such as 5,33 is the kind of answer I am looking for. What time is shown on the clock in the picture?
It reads 4,01
